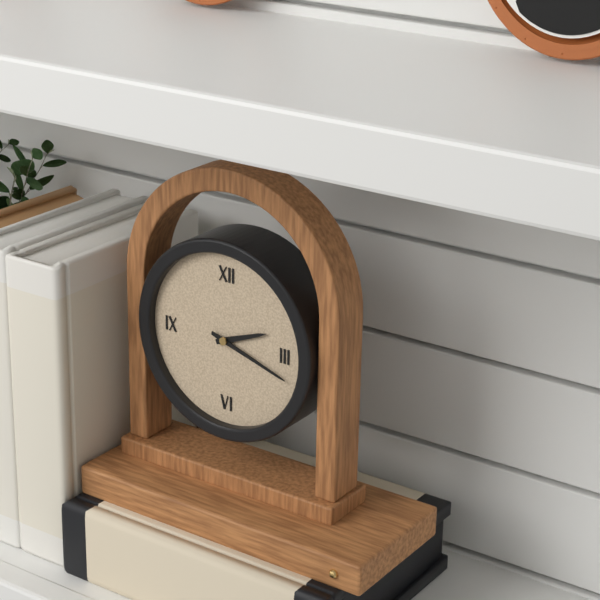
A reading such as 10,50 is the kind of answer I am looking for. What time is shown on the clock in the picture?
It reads 2,18
